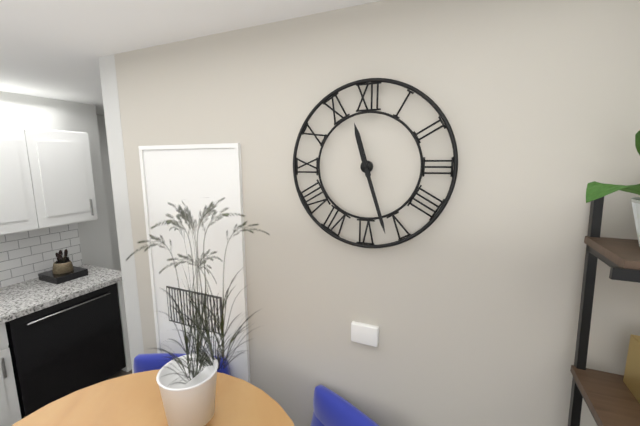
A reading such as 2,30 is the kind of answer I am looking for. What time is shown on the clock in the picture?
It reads 11,27
